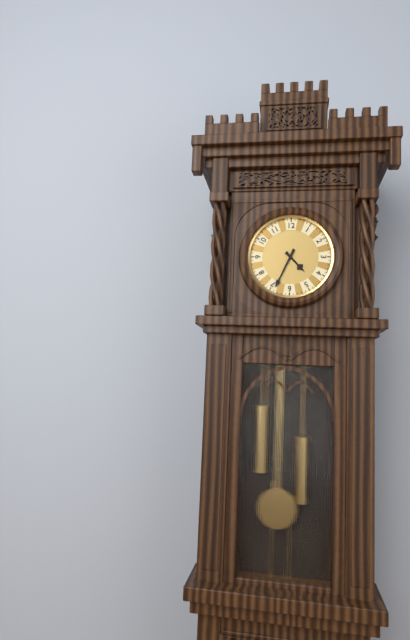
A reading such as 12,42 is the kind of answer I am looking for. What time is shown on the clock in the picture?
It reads 4,34
